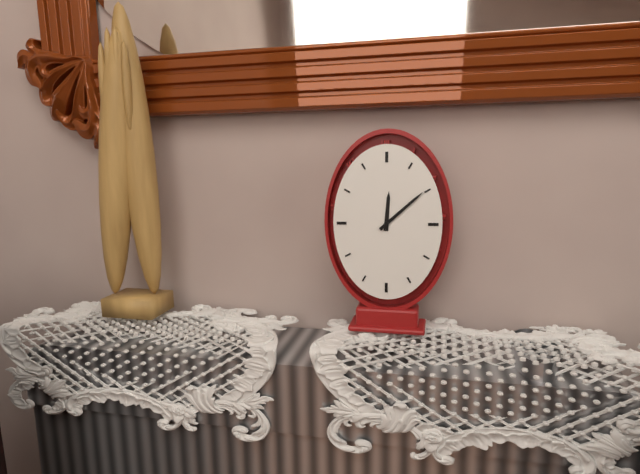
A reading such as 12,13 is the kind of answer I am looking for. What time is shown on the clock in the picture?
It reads 12,08
